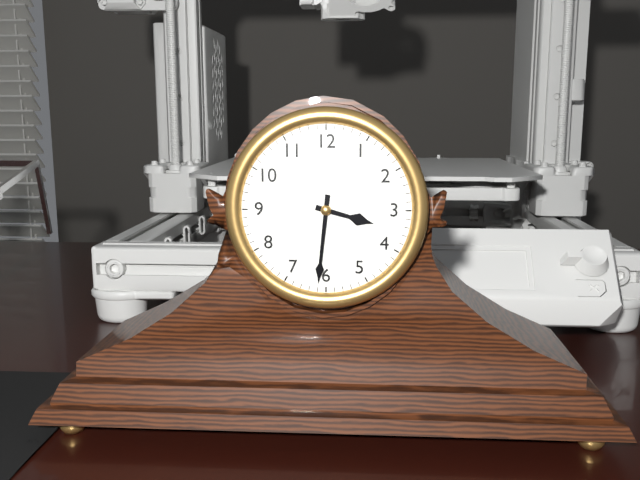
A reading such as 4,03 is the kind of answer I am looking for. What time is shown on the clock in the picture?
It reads 3,31
